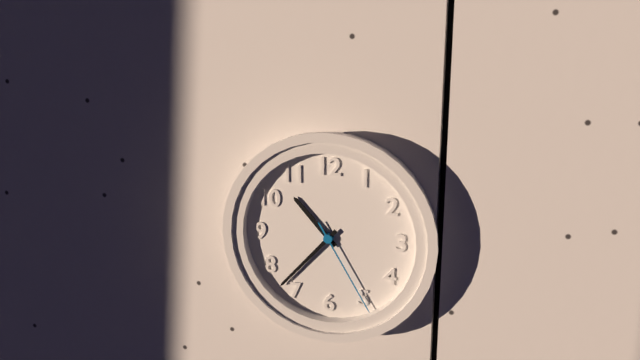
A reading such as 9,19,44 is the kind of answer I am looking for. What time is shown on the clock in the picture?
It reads 10,37,25
